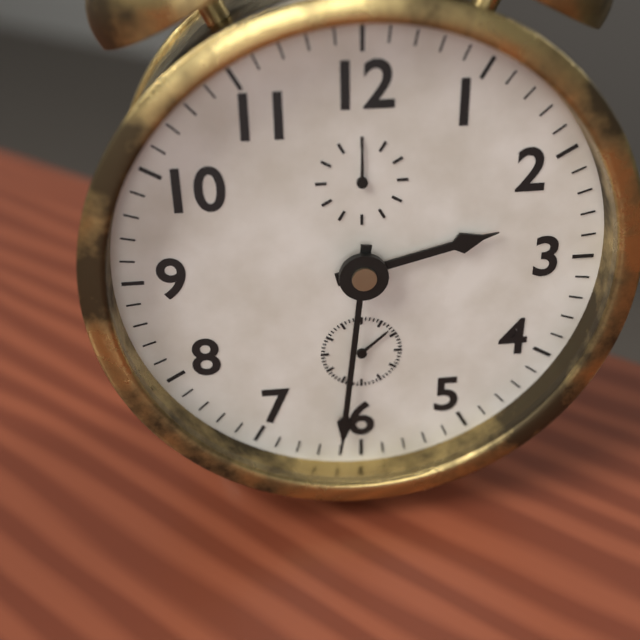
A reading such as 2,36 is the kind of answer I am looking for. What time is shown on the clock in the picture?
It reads 2,31
